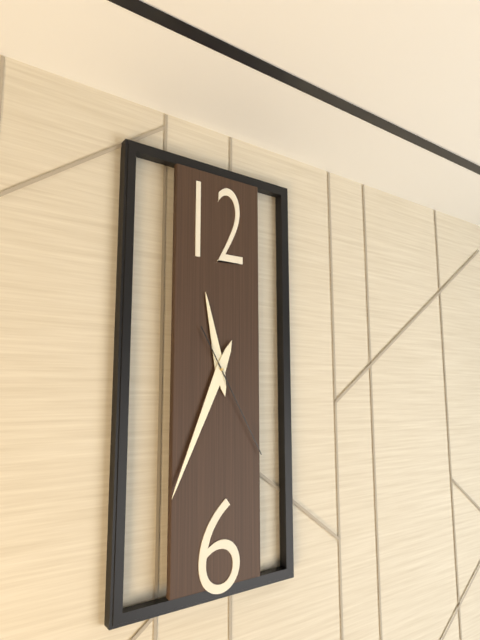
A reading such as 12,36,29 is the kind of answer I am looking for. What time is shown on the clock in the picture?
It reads 11,34,25
